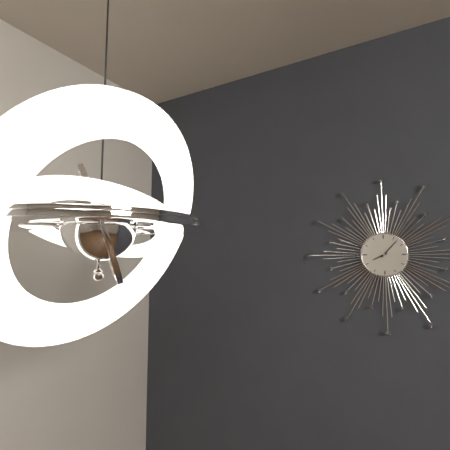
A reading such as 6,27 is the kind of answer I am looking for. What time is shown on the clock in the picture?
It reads 8,07
